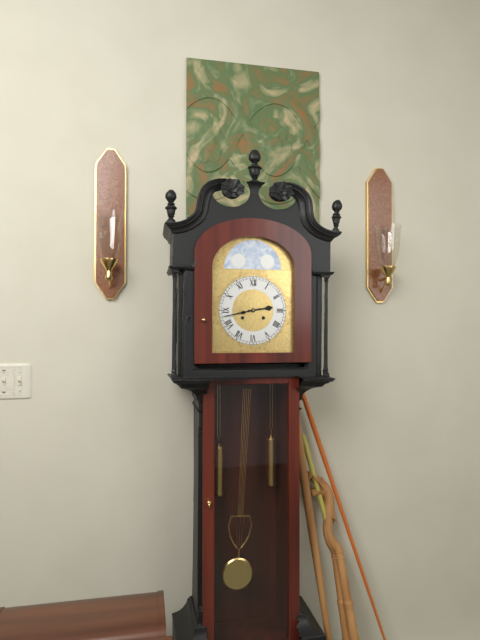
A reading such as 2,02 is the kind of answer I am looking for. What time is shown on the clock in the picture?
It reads 2,43
